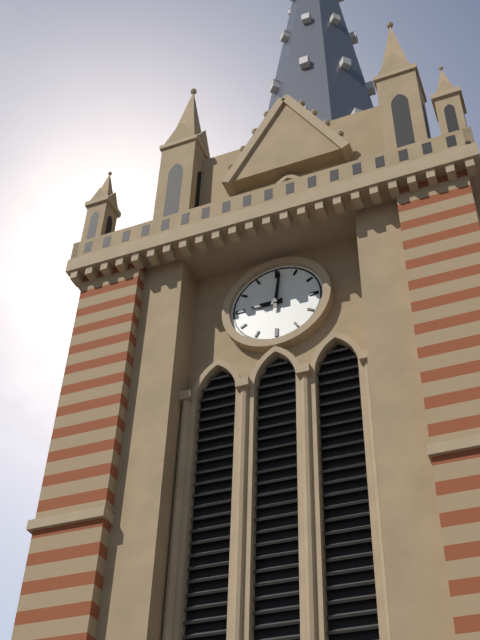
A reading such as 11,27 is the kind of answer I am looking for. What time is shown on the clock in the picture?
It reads 9,01
